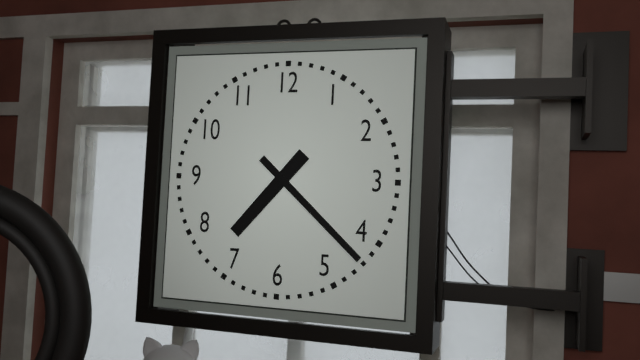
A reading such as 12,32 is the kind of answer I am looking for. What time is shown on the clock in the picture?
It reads 7,22
